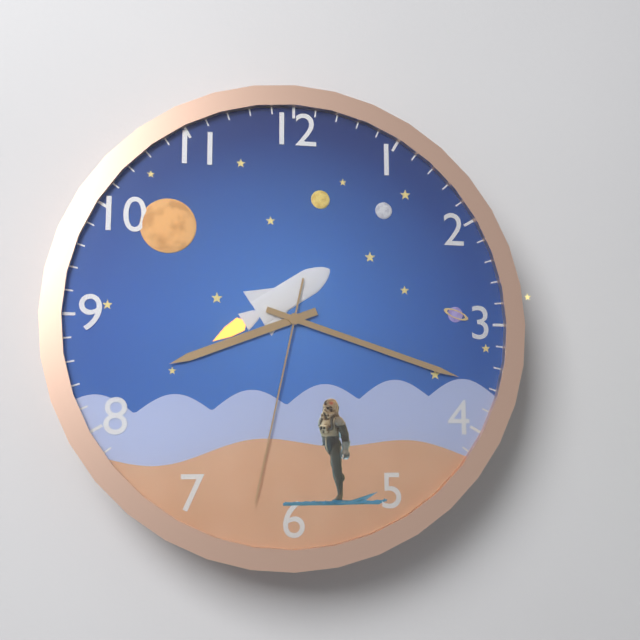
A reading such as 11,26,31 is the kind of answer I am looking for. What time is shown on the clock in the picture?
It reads 8,18,32
